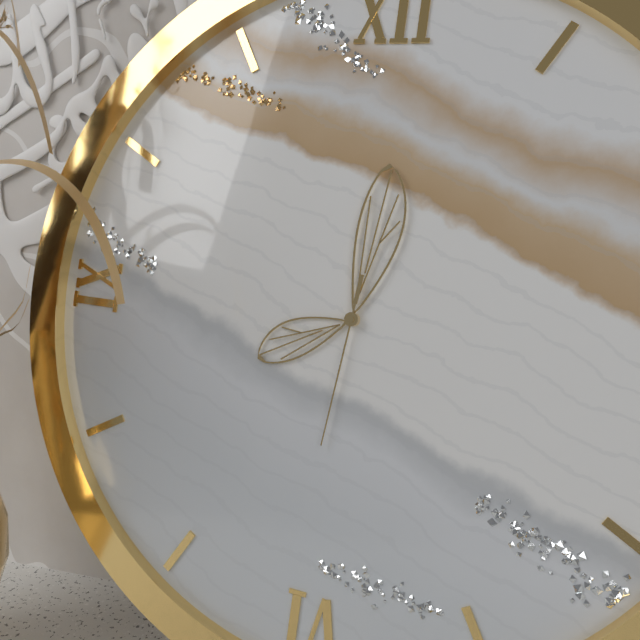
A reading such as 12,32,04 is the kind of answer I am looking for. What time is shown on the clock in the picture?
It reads 8,01,31
